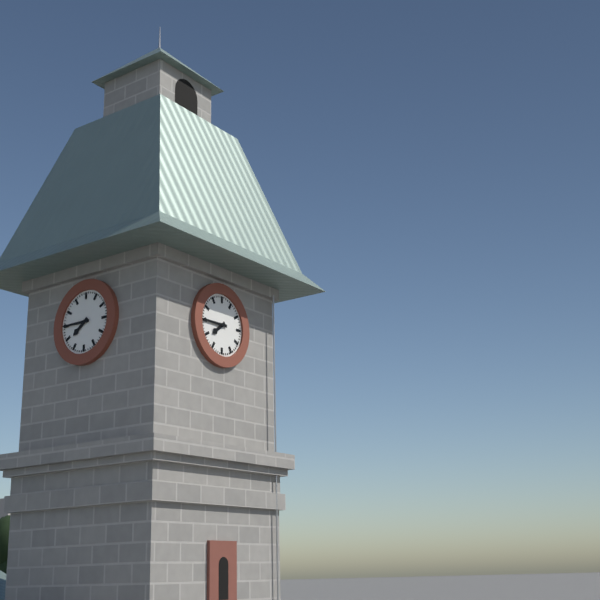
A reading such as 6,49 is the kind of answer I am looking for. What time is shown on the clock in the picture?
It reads 7,45
